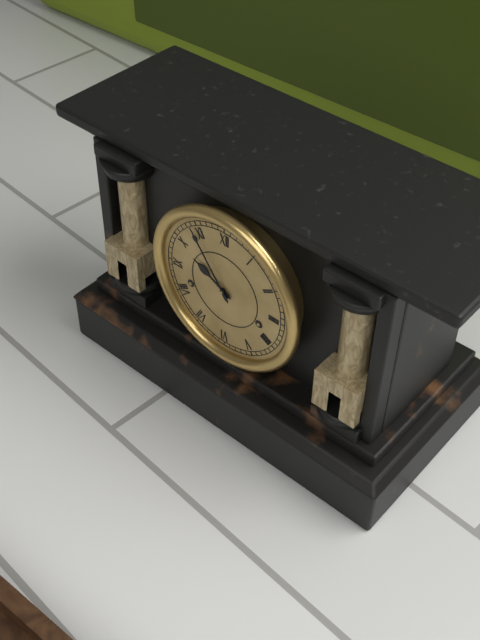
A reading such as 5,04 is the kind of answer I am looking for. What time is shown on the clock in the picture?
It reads 9,54
